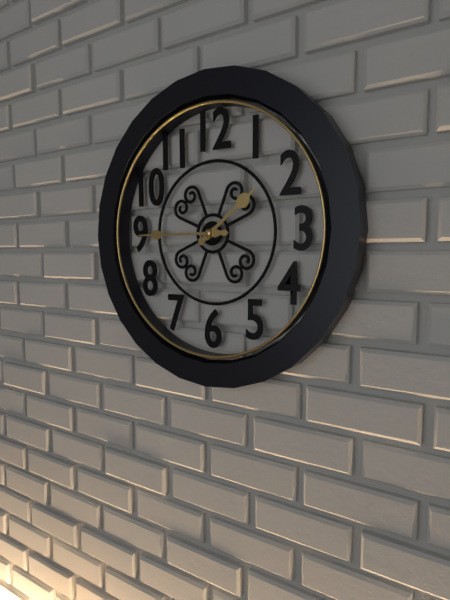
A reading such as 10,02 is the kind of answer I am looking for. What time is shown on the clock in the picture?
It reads 1,45
